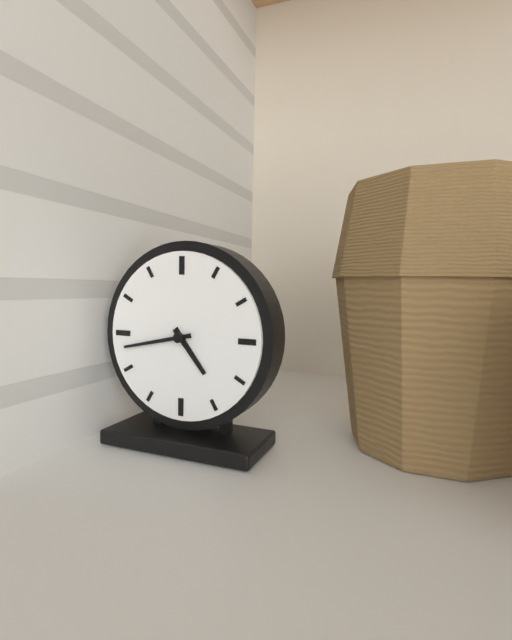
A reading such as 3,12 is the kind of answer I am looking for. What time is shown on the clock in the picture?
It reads 4,43
